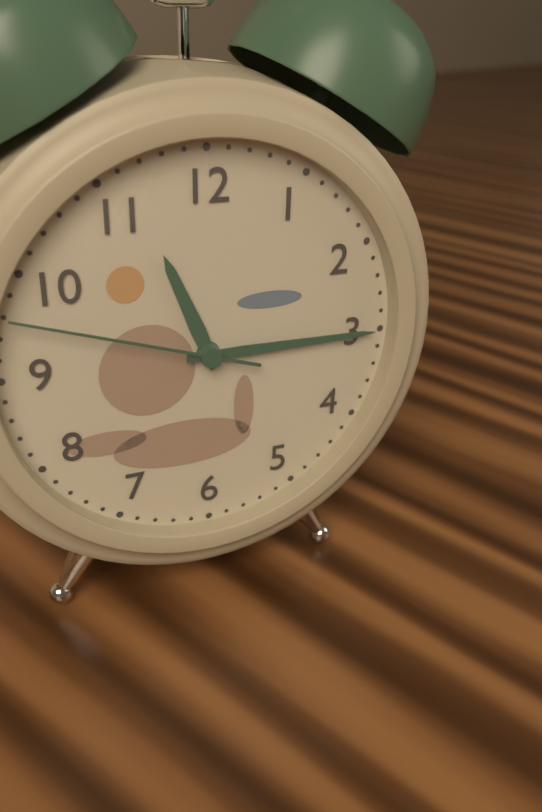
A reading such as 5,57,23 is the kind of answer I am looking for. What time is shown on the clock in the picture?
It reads 11,15,48
